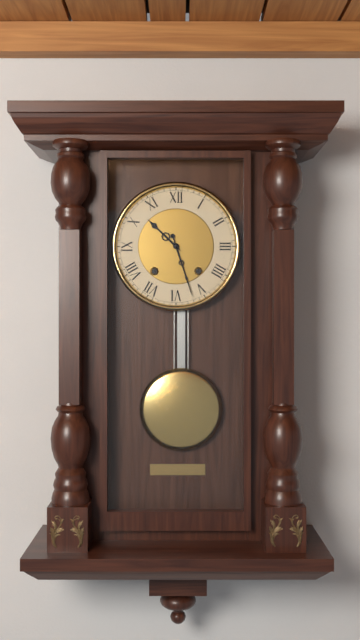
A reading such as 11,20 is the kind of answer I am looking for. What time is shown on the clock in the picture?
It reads 10,27
